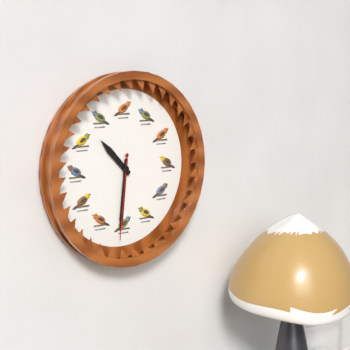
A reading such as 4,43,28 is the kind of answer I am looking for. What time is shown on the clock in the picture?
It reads 10,31,31
